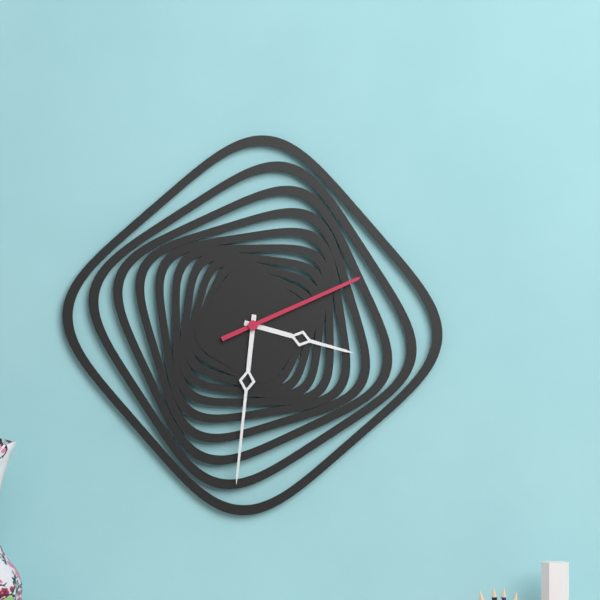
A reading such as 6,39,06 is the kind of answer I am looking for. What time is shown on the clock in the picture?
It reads 3,31,11
